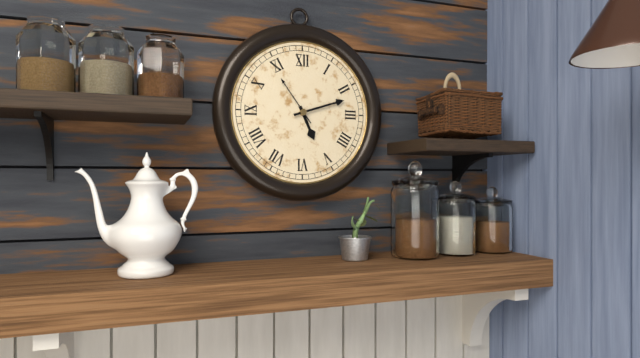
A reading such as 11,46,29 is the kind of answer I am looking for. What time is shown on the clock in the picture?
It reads 5,12,54
